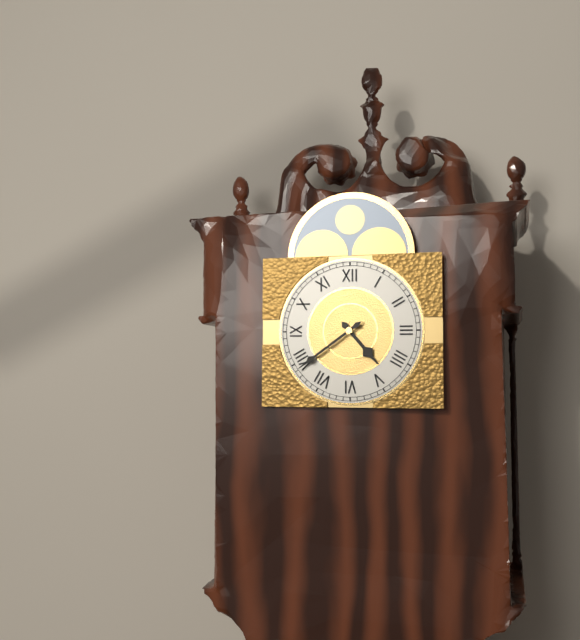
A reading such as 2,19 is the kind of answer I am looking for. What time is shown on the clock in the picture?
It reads 4,39
